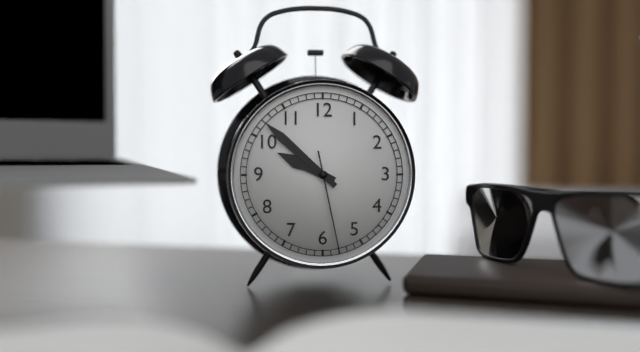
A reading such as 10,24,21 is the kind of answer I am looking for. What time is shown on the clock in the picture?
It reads 9,52,28
